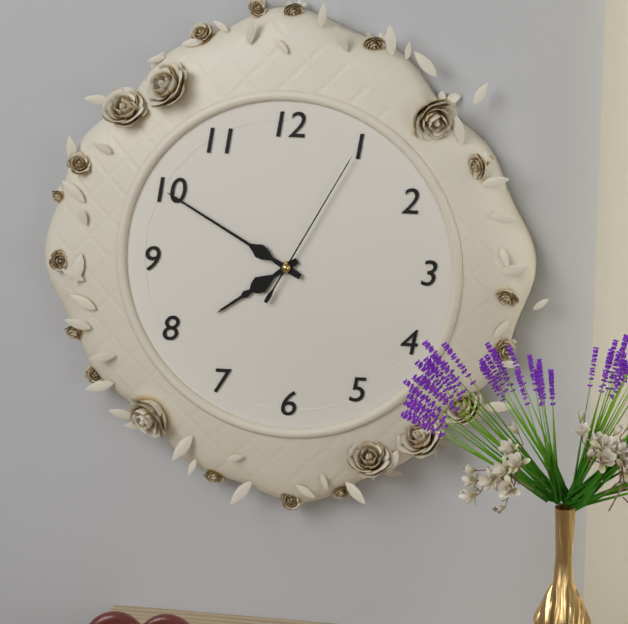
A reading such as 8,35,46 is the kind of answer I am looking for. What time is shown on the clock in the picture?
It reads 7,50,05
